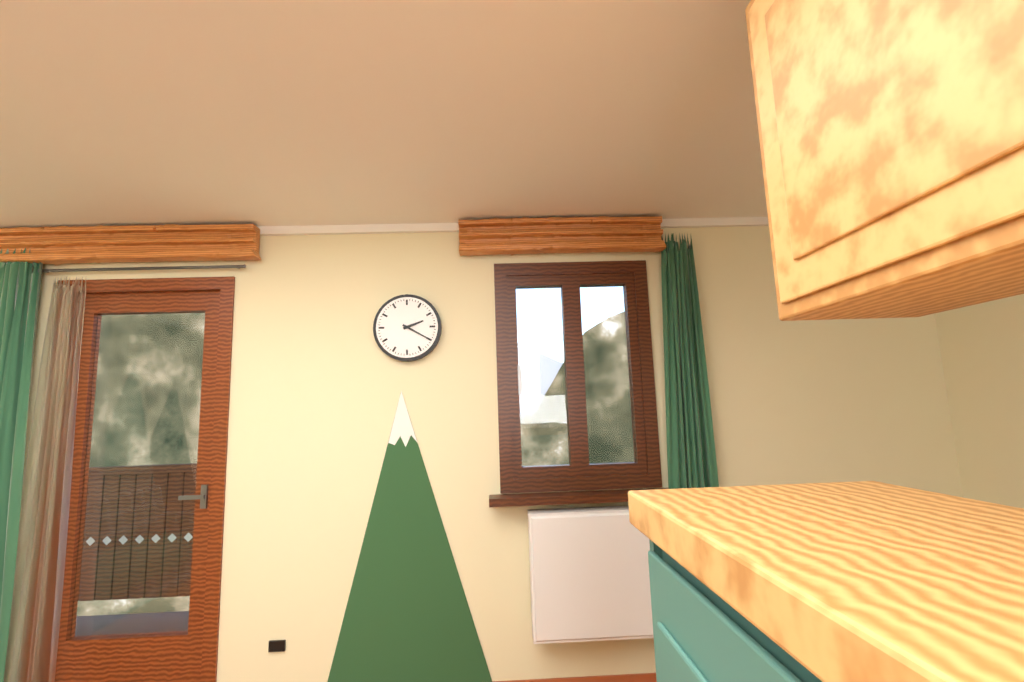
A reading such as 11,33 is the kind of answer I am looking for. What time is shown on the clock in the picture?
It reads 2,20
